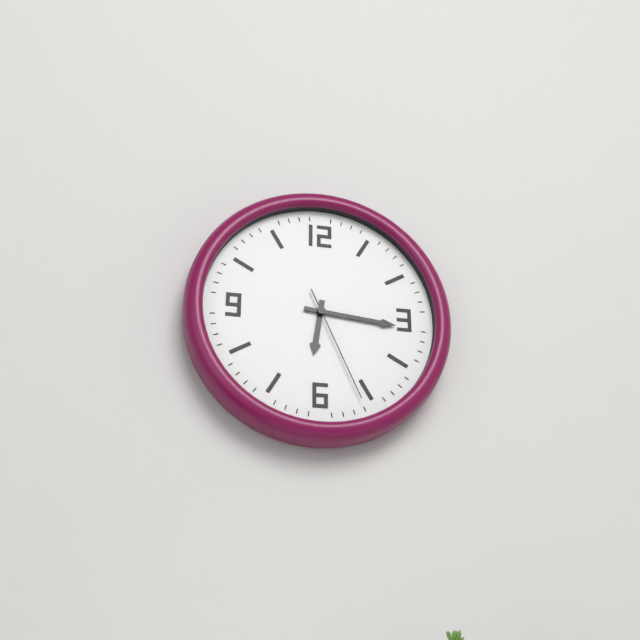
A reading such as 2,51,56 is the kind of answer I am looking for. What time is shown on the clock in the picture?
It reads 6,16,26
